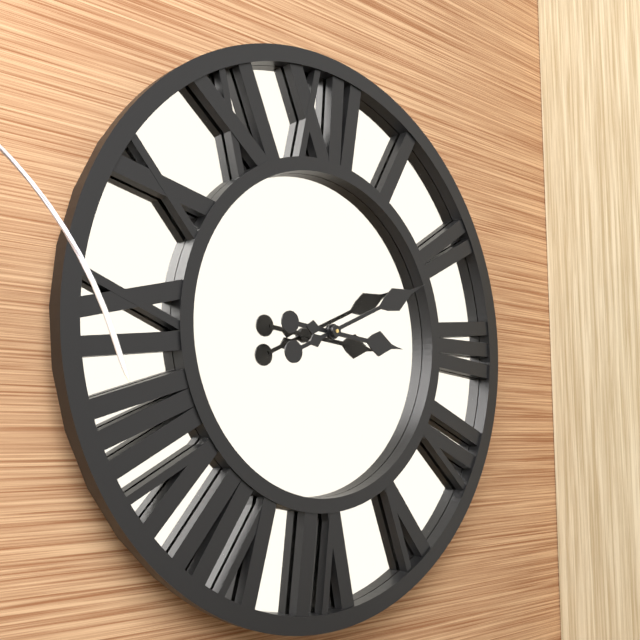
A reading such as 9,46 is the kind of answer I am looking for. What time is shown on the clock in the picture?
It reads 3,11
